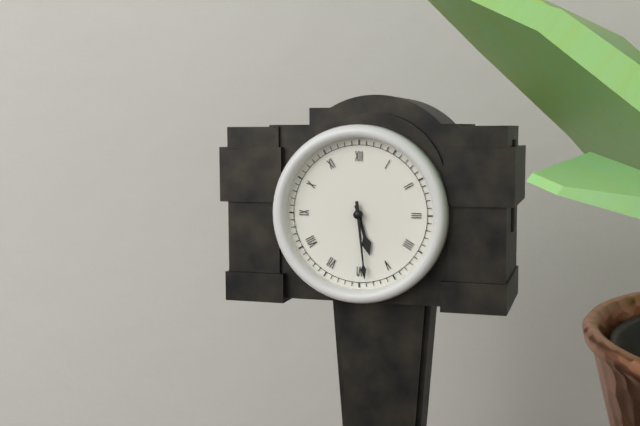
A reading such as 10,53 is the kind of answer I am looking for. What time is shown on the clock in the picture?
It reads 5,29
